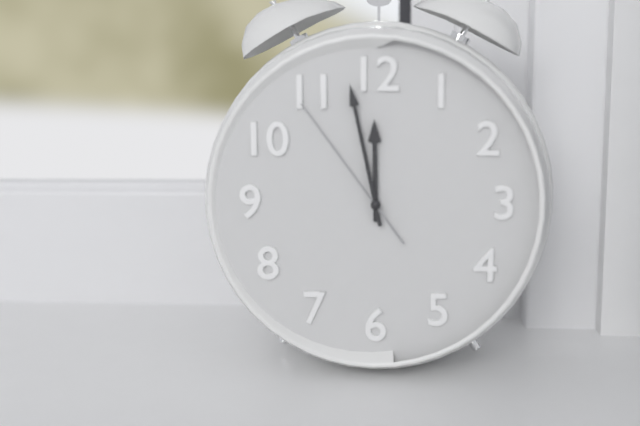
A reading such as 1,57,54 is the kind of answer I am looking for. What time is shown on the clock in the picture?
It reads 11,58,54
